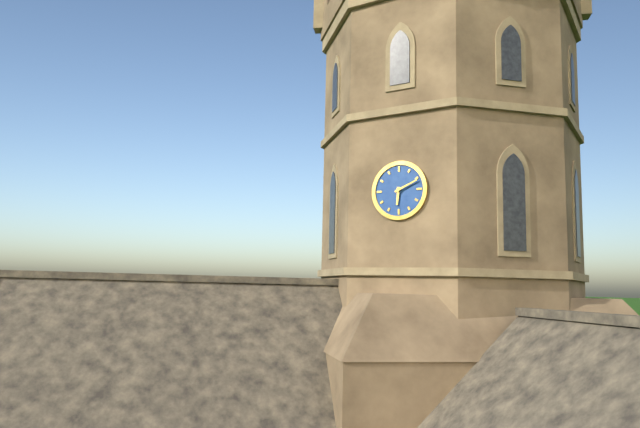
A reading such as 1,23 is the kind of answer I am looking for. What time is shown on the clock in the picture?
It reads 6,11
